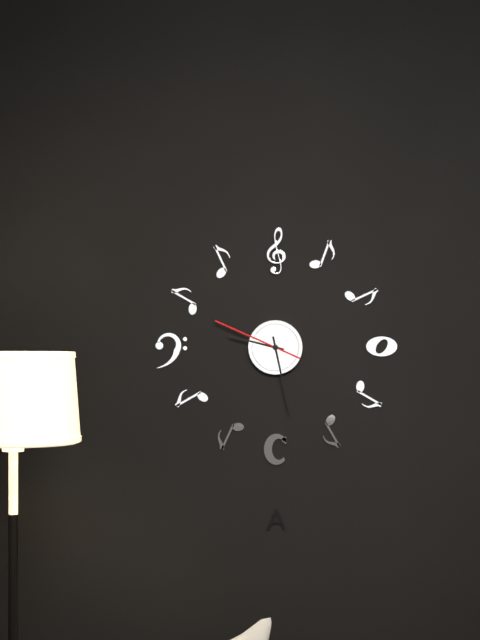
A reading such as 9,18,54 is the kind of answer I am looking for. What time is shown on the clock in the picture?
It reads 9,28,49
